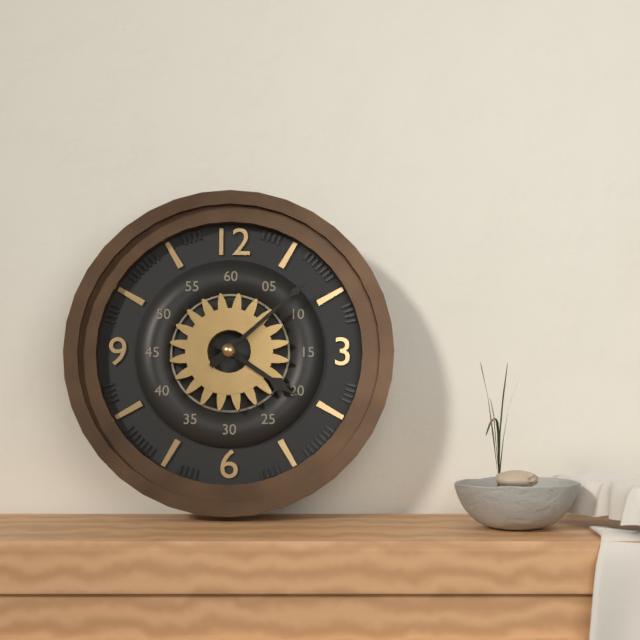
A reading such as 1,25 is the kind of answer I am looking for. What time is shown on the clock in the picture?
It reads 4,08
